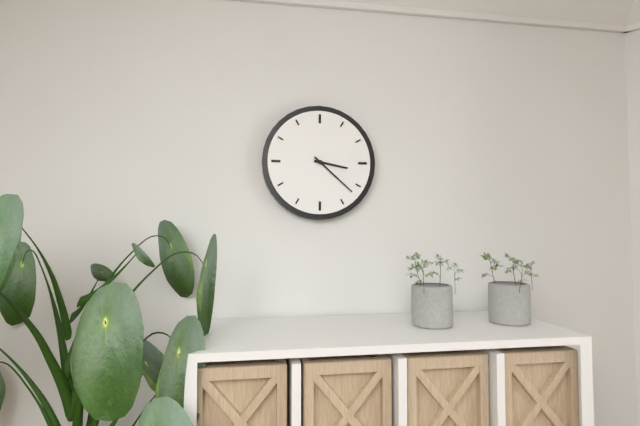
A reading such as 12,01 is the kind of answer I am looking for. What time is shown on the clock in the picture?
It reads 3,22
